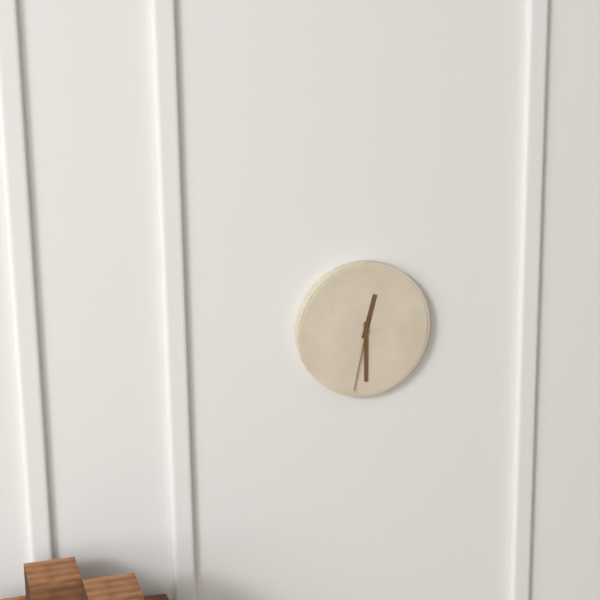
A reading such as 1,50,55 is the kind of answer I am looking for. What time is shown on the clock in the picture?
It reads 12,30,32
